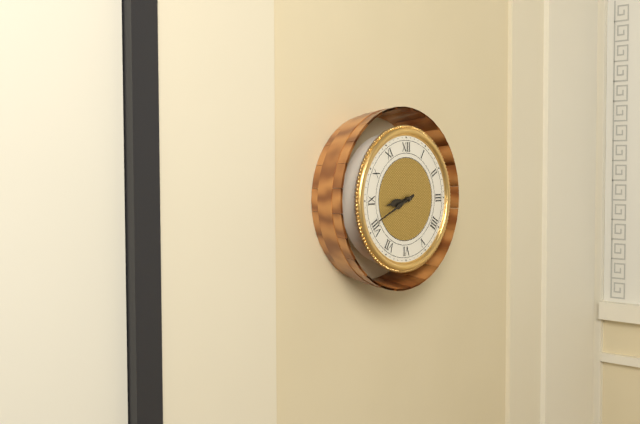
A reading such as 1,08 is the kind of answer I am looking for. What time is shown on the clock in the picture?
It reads 8,41
